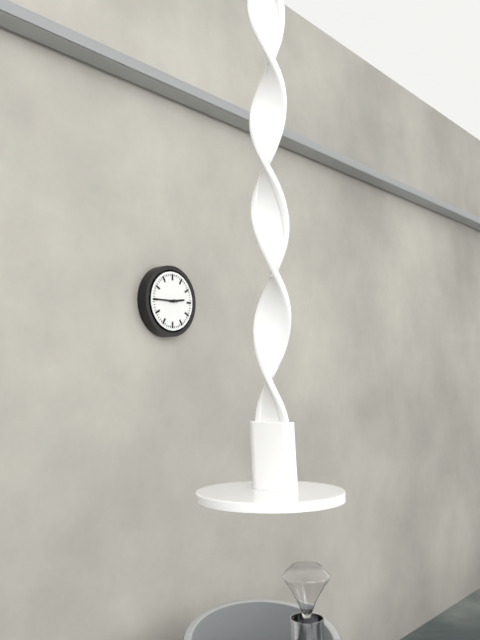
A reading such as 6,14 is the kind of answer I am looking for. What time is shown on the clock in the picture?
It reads 2,45
